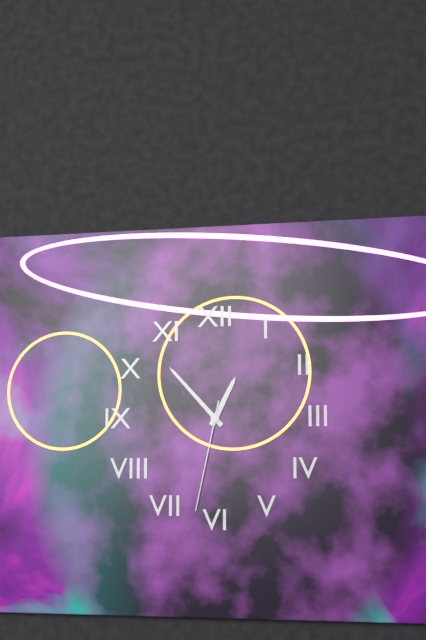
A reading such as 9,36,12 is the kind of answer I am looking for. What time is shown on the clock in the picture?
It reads 12,53,32
